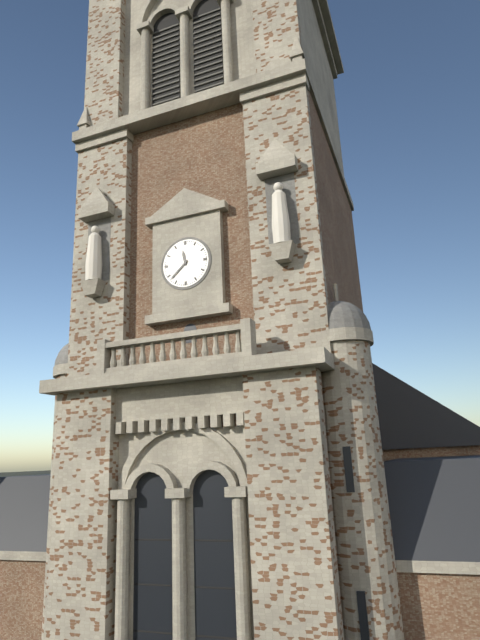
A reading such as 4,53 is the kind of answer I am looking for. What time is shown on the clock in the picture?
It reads 11,38
